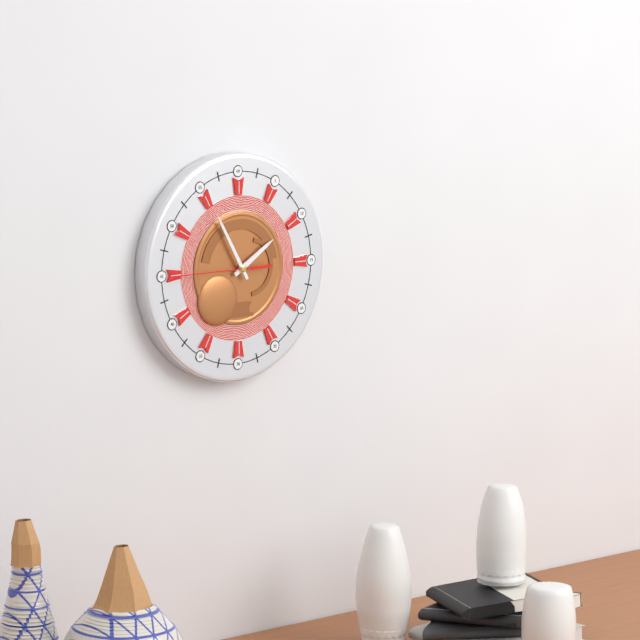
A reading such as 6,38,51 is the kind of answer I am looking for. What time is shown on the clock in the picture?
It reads 1,55,45
